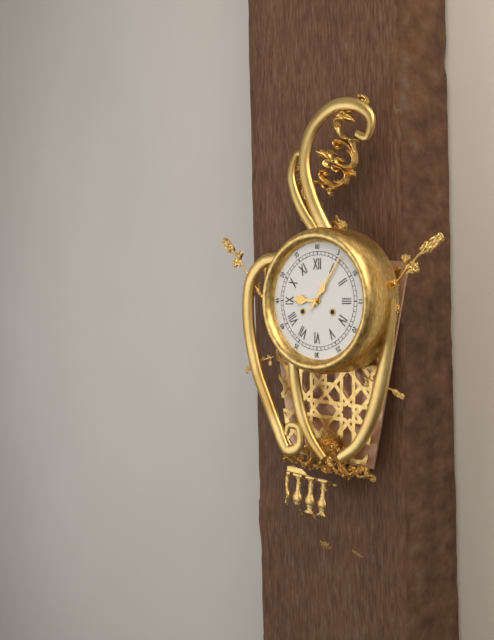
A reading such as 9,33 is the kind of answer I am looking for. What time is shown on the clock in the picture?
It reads 9,06
